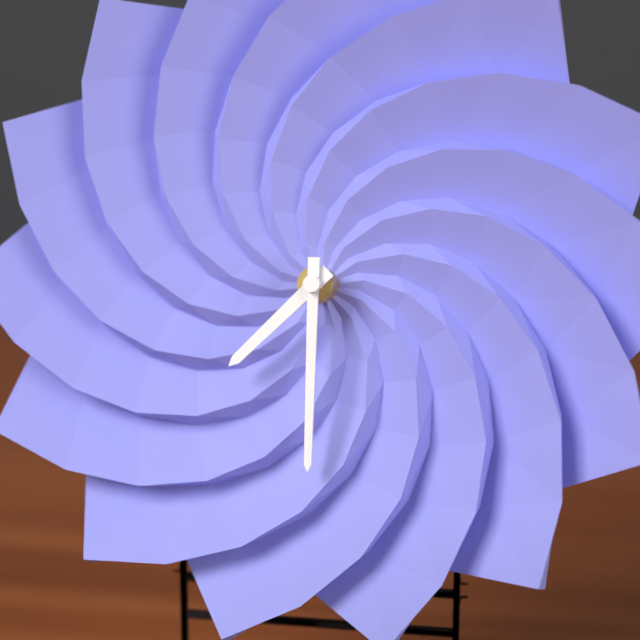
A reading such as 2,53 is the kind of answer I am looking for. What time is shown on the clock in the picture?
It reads 7,30
